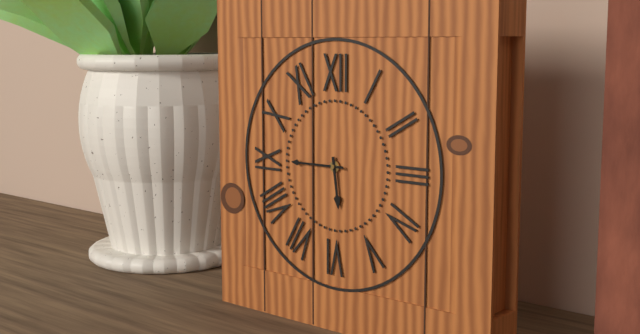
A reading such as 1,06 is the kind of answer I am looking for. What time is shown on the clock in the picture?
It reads 5,45
